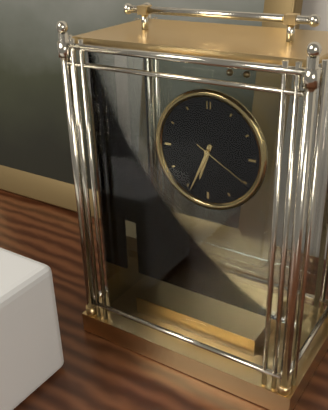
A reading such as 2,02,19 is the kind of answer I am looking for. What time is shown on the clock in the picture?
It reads 6,34,20
